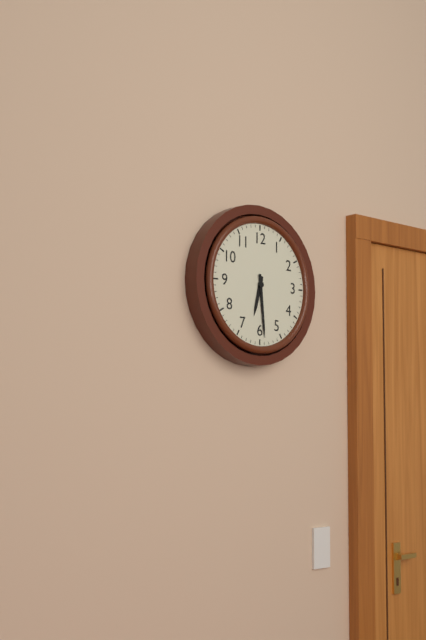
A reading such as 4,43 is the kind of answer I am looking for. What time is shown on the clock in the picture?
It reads 6,29
